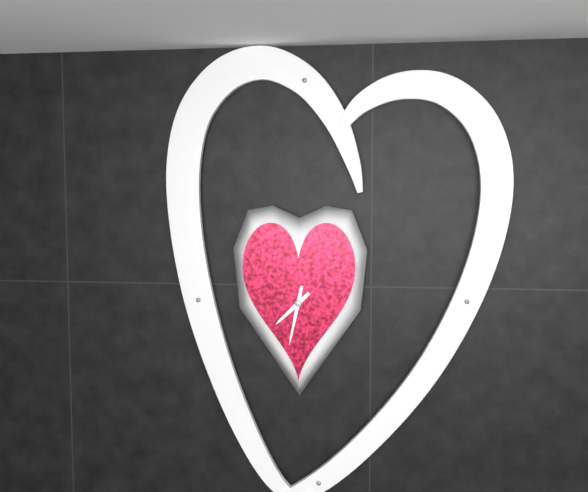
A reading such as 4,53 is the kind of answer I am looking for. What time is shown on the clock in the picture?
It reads 7,32
